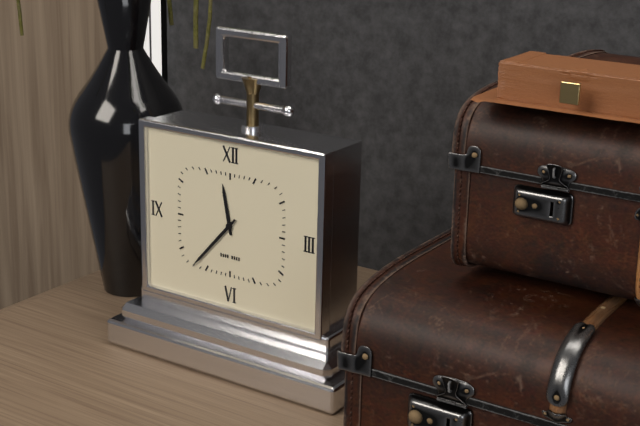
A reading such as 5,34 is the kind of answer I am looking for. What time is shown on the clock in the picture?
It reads 11,37
